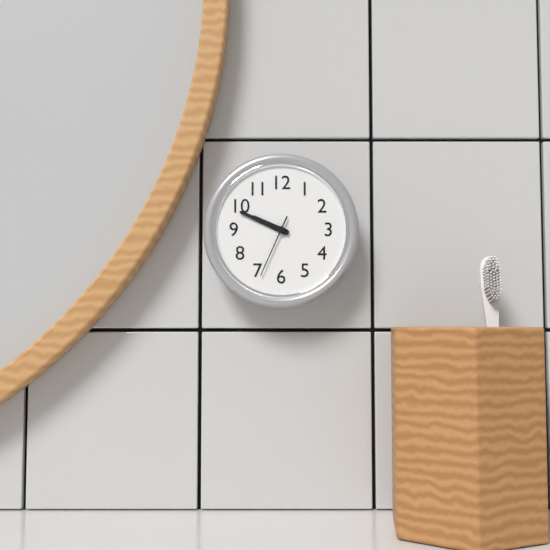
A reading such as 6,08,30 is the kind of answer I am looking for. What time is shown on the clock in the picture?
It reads 9,49,34
